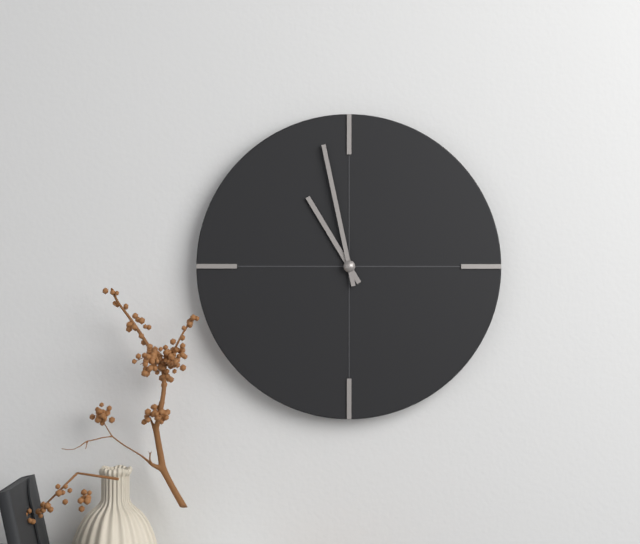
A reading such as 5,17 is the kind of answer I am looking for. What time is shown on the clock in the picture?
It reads 10,58
